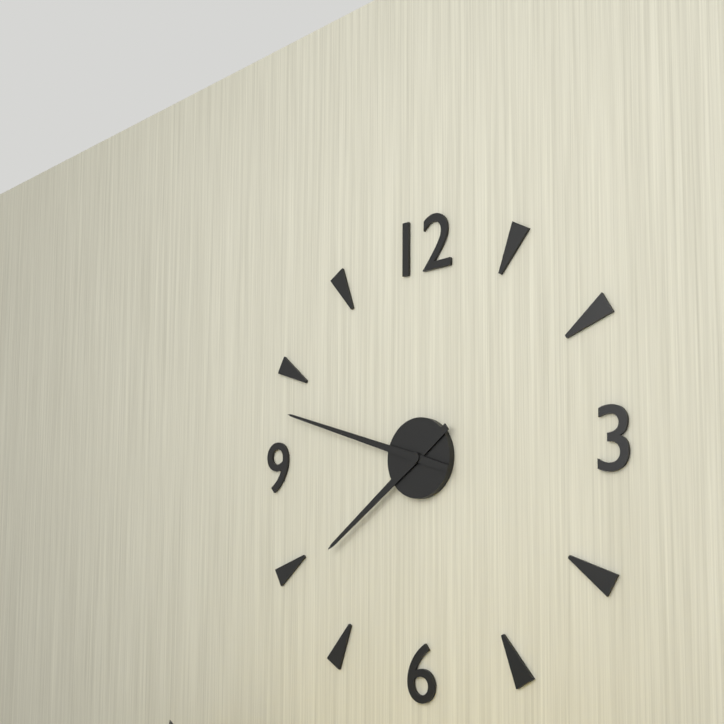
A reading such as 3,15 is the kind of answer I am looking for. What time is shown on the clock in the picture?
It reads 7,48
